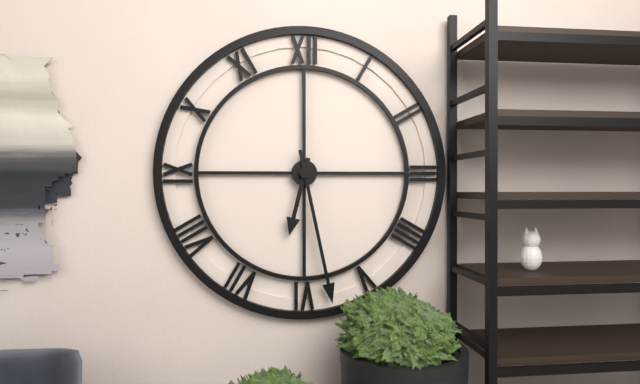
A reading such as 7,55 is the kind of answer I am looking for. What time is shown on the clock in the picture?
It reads 6,28
